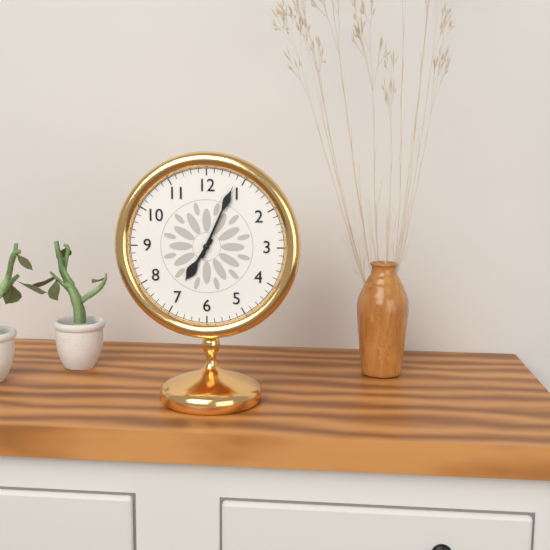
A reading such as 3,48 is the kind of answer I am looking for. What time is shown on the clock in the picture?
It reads 7,04
